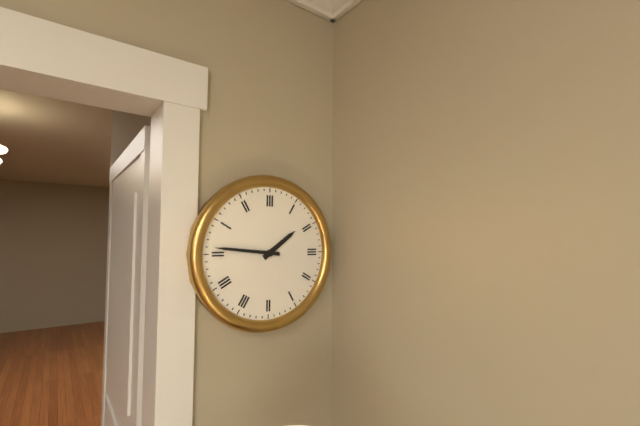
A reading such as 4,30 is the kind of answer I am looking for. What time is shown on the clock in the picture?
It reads 1,46
